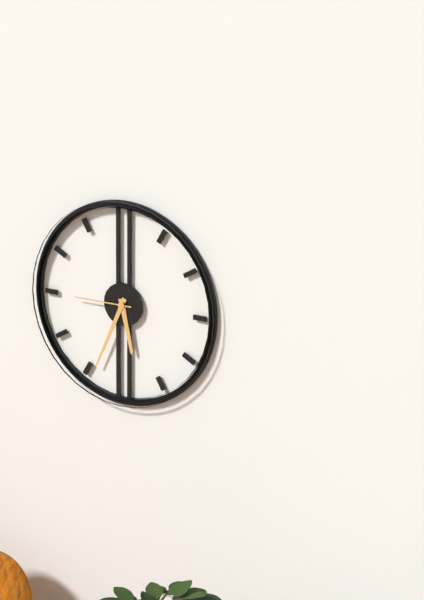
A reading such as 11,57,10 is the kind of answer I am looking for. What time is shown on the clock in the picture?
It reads 5,34,45
